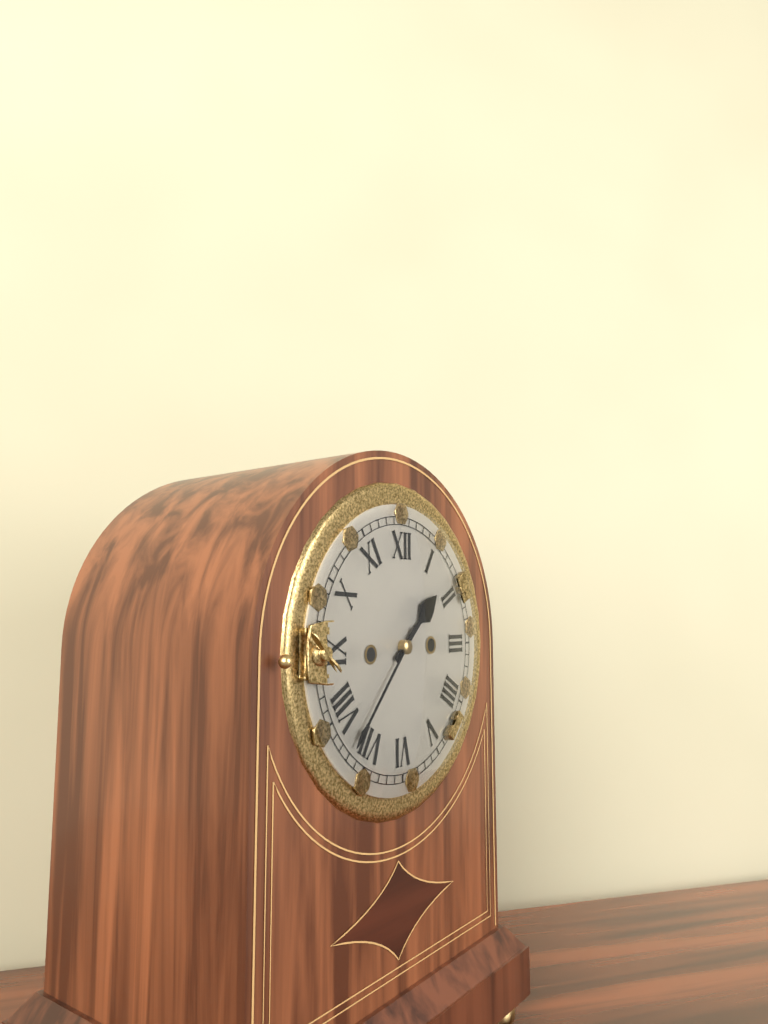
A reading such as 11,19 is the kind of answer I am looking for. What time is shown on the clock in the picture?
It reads 1,37
